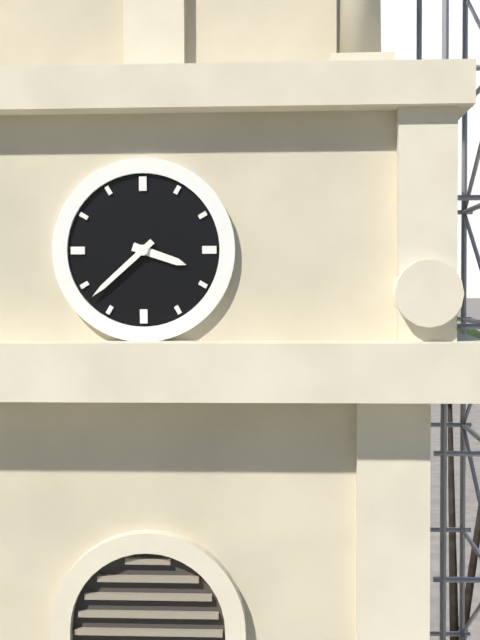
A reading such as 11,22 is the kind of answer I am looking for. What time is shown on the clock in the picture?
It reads 3,38
